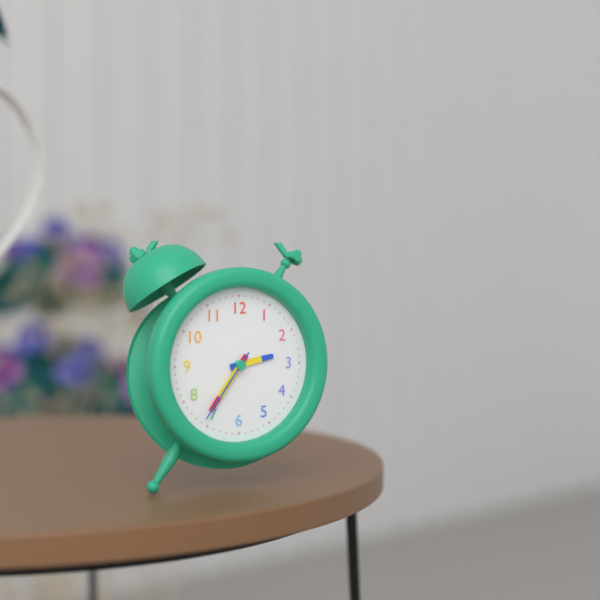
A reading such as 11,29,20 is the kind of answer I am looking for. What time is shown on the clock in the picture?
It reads 2,36,36
